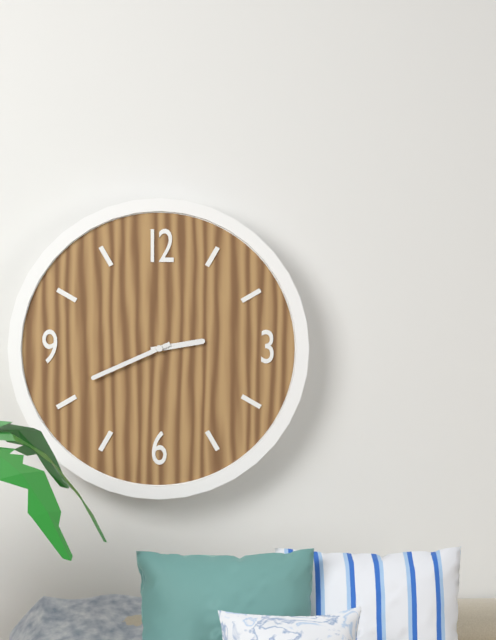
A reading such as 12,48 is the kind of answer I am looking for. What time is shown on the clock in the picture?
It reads 2,41
